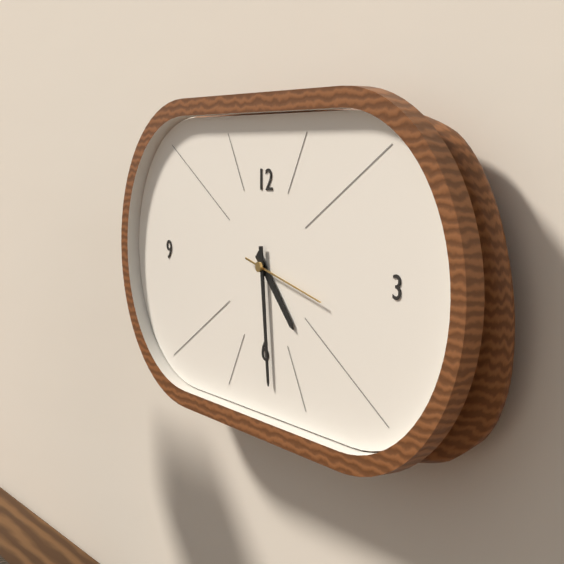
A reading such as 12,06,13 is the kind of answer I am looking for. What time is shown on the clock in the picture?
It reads 4,29,17
